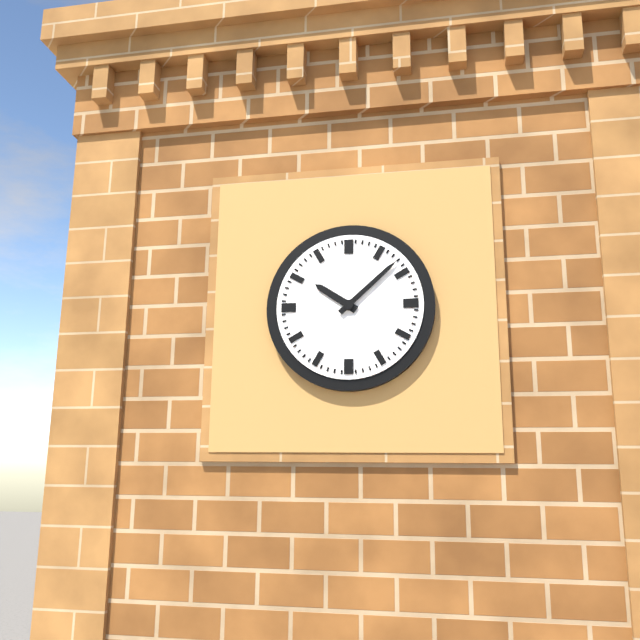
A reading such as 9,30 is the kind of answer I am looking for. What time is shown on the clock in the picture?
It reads 10,08
